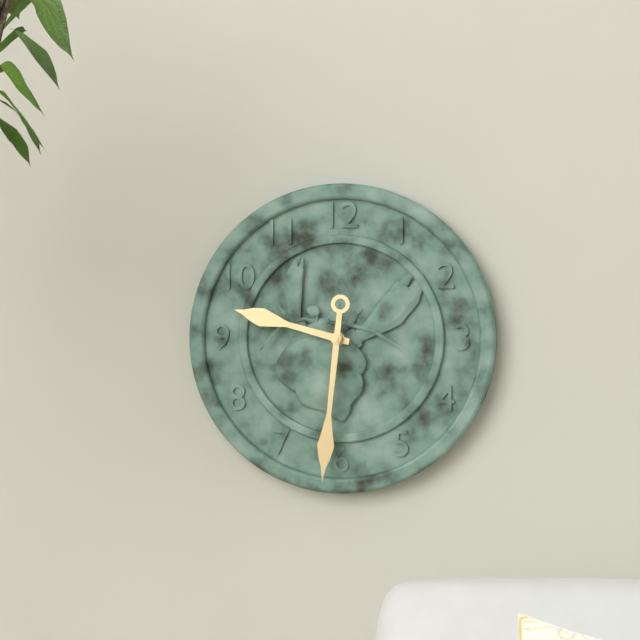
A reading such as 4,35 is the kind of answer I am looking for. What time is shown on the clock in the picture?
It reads 9,31
